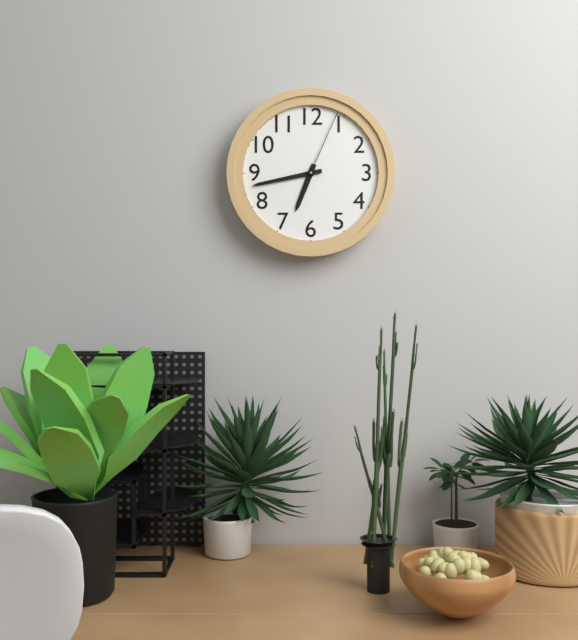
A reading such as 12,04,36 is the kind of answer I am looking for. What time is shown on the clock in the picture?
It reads 6,43,04
